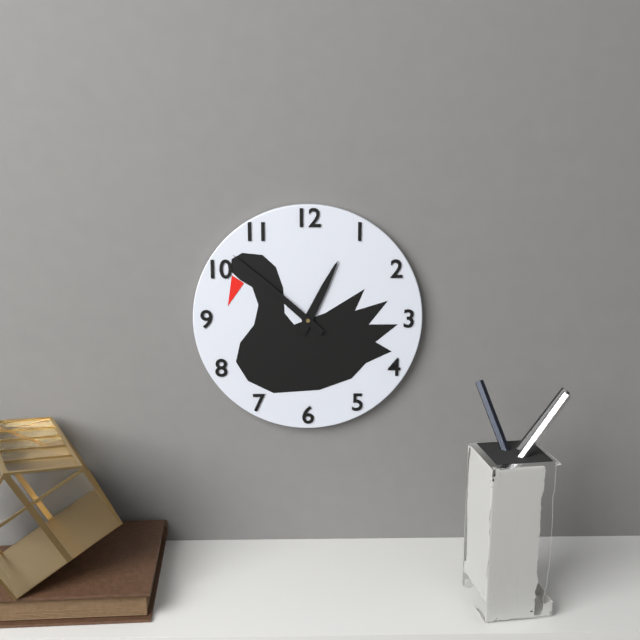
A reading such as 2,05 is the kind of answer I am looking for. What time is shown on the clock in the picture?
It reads 12,52
